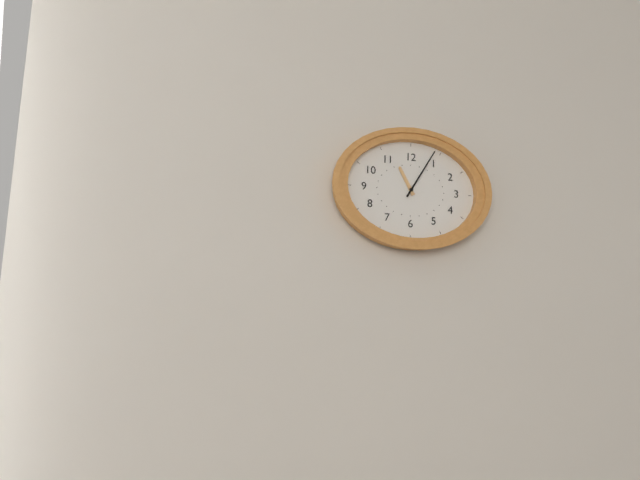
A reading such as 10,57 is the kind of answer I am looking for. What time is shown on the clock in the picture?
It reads 11,05
